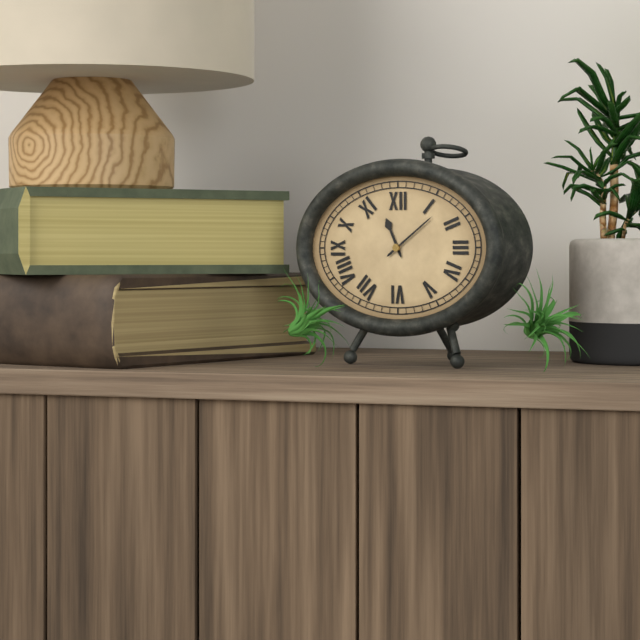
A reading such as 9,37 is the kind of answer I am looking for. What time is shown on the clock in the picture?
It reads 11,09
